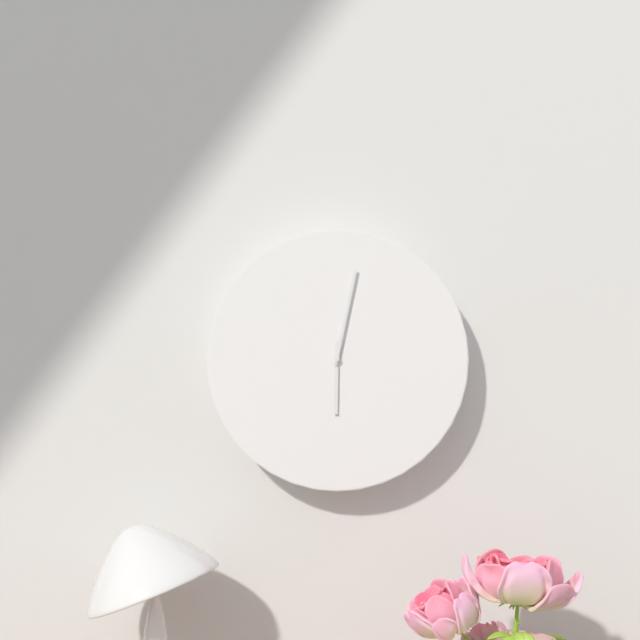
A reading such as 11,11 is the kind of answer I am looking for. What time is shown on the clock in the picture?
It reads 6,02
